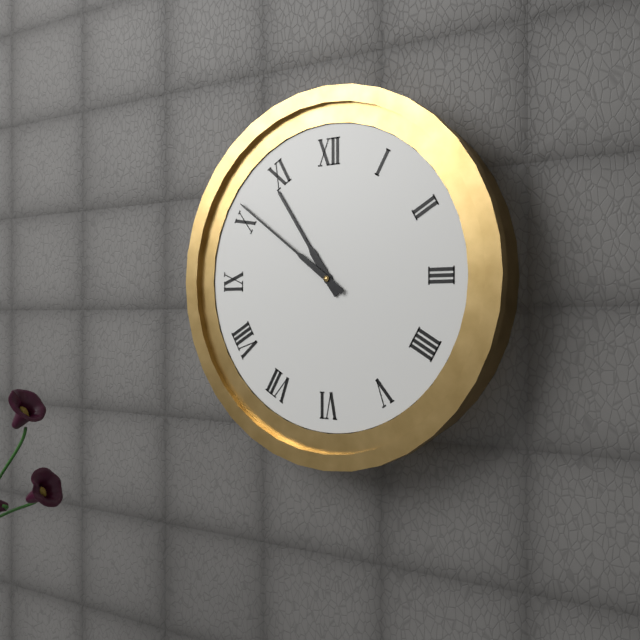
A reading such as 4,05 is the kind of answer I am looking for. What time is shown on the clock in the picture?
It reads 10,51
